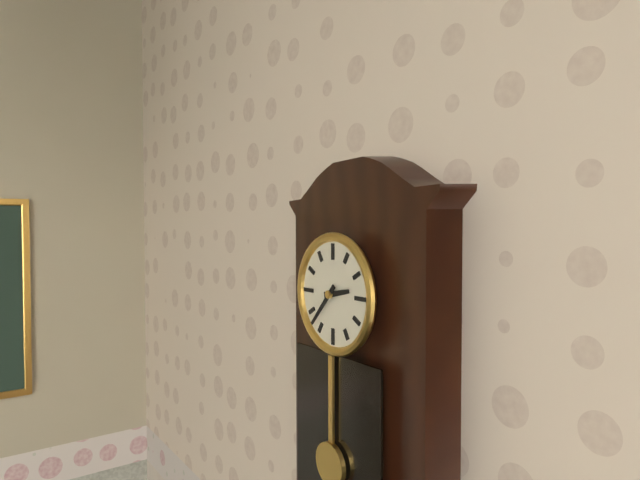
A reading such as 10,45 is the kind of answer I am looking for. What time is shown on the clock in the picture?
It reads 2,37
